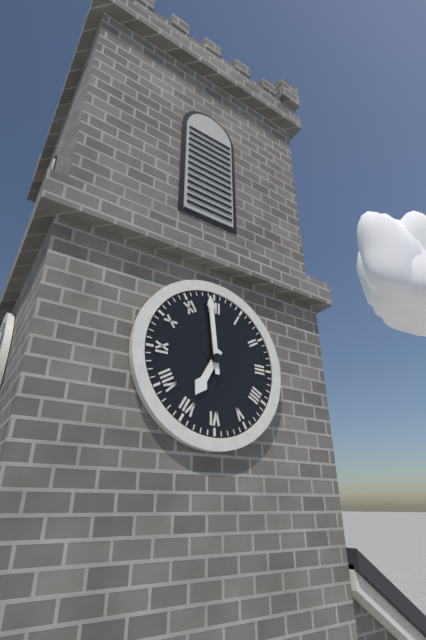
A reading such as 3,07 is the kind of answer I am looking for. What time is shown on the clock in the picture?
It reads 6,59
